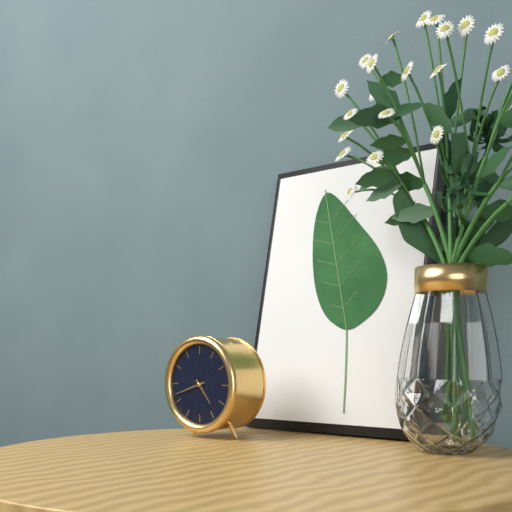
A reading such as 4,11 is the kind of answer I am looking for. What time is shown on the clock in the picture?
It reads 4,42
